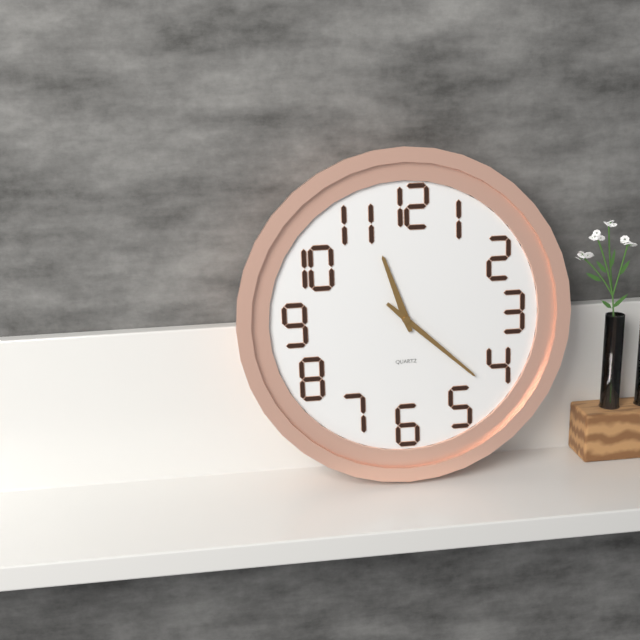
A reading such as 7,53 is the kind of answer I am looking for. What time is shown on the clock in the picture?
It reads 11,22
